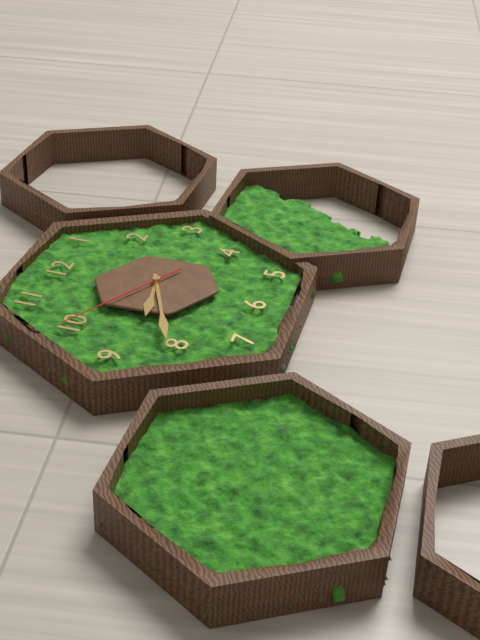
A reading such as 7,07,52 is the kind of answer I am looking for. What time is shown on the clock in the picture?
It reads 8,41,50
